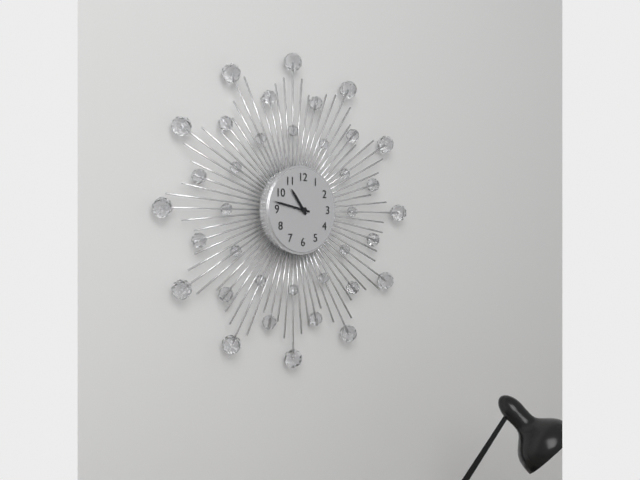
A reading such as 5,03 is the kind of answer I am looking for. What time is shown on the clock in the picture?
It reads 10,47
